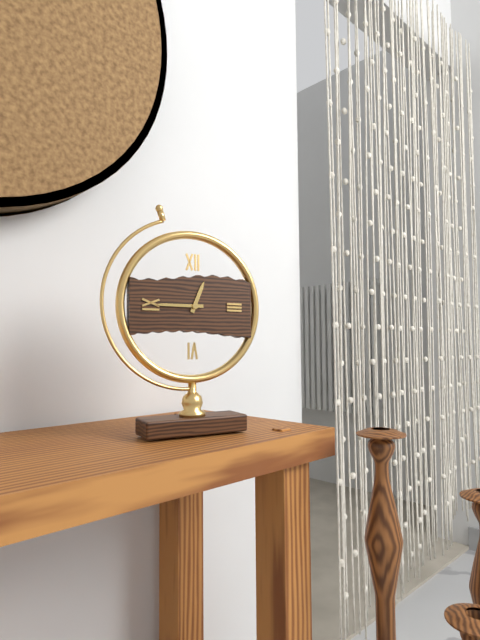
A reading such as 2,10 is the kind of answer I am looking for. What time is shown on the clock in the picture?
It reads 12,45
